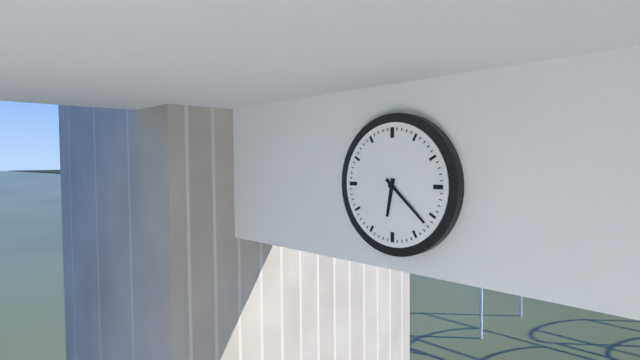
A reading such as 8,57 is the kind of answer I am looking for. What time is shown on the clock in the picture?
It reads 6,22
